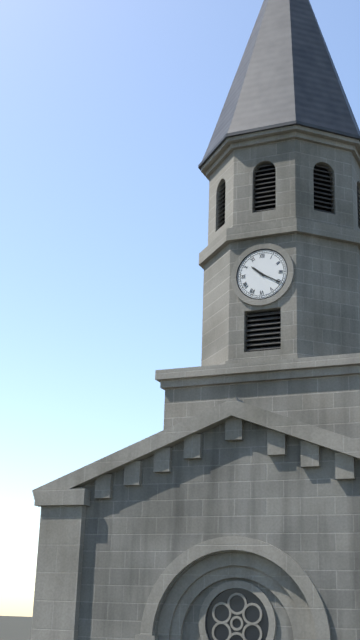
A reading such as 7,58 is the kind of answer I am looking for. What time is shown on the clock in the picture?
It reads 10,20
